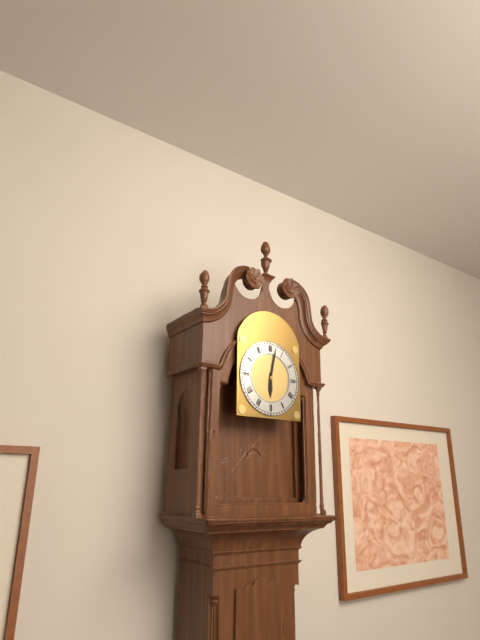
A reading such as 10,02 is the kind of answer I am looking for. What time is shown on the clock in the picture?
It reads 6,02
